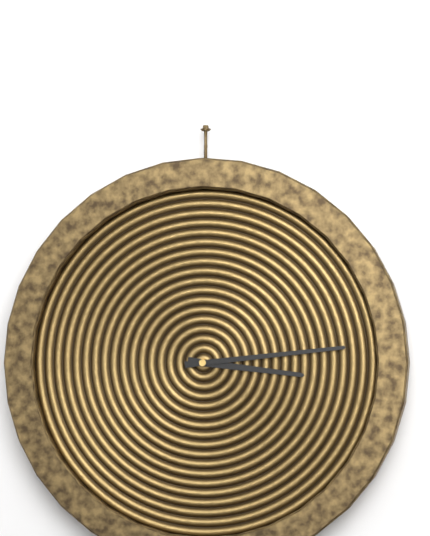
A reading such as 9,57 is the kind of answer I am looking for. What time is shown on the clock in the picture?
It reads 3,14
